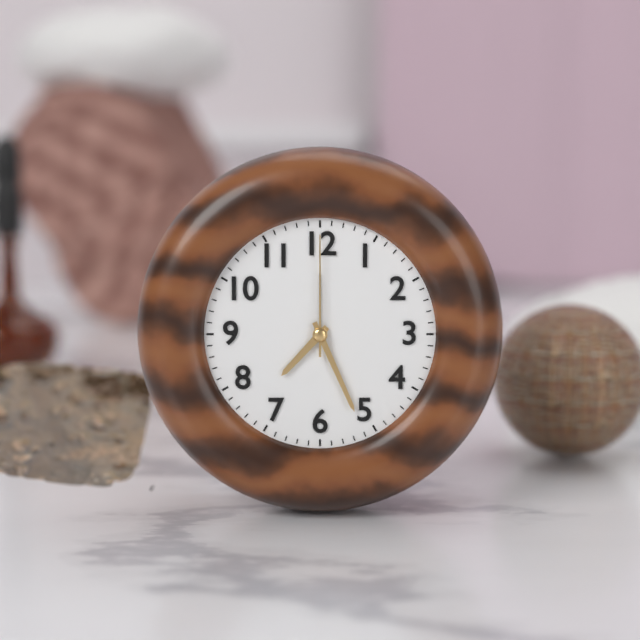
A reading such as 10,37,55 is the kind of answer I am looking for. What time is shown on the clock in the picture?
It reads 7,26,00
